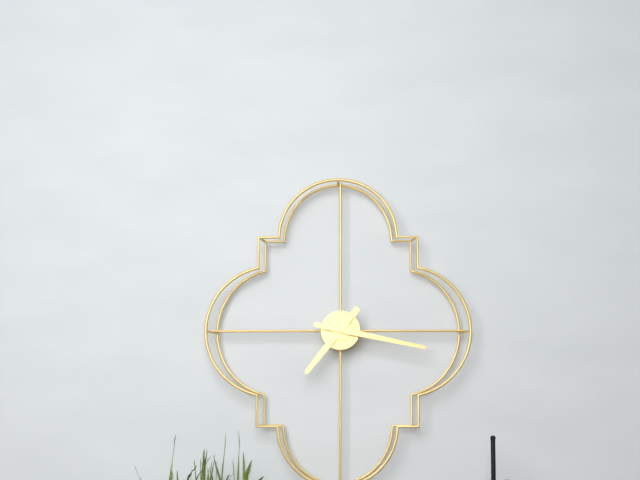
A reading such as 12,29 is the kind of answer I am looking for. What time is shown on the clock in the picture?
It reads 7,17
